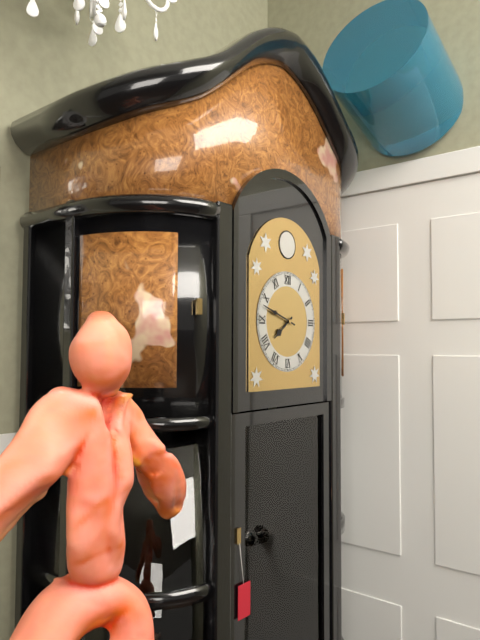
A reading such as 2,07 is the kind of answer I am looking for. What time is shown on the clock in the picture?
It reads 7,48
